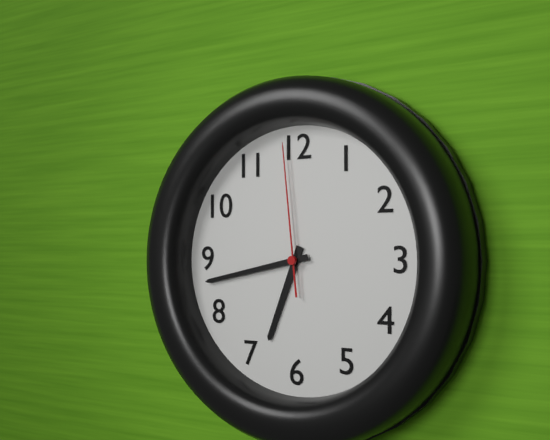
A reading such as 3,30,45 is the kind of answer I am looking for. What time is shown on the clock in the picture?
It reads 6,43,59
